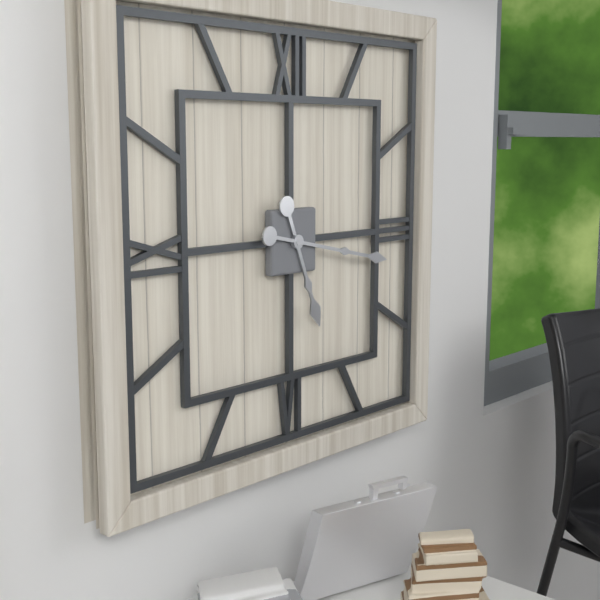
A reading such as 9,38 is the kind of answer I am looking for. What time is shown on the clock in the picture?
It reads 5,17
